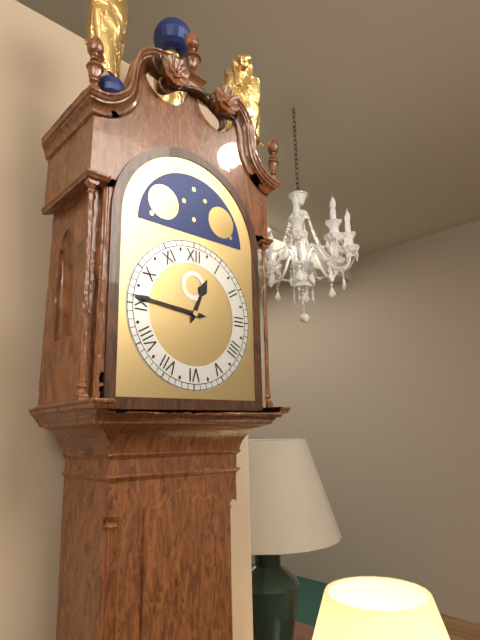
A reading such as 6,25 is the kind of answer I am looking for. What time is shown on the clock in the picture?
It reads 12,46
